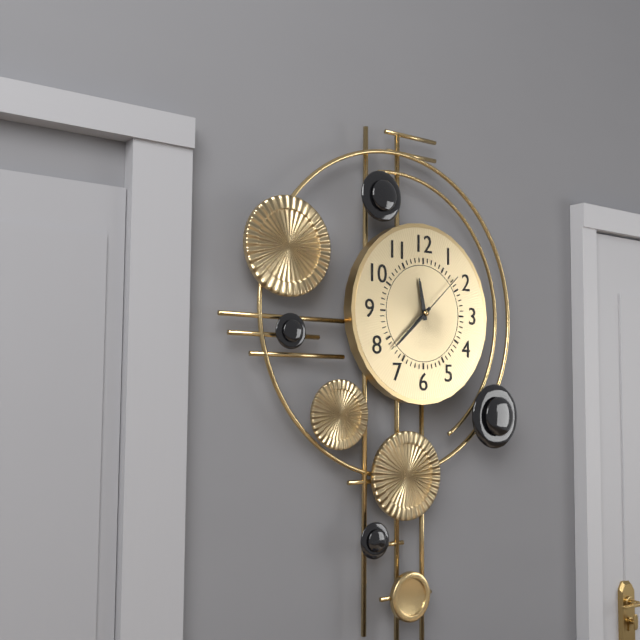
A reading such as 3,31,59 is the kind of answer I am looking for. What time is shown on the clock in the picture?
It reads 11,38,08
